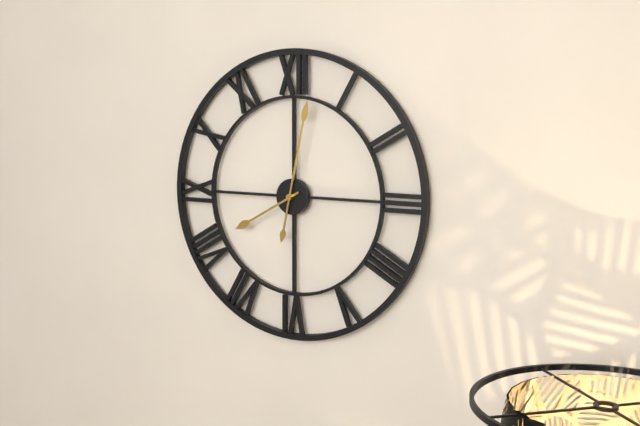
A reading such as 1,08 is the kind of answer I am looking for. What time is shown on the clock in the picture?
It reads 8,02
